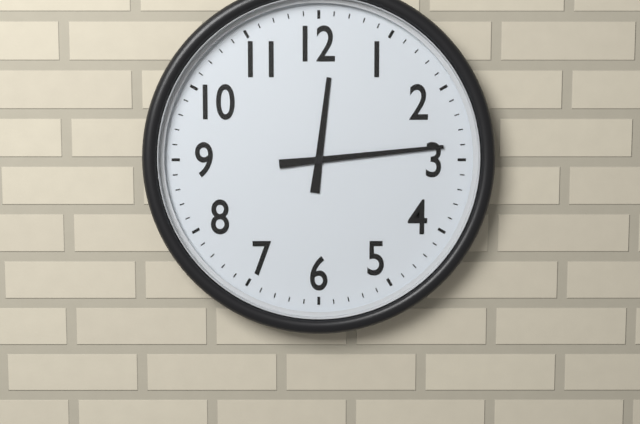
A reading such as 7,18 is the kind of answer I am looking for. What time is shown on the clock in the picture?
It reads 12,14
